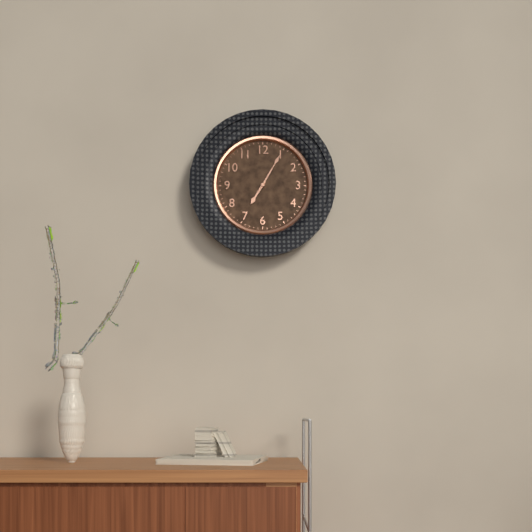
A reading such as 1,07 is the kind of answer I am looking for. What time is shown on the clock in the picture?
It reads 7,05
